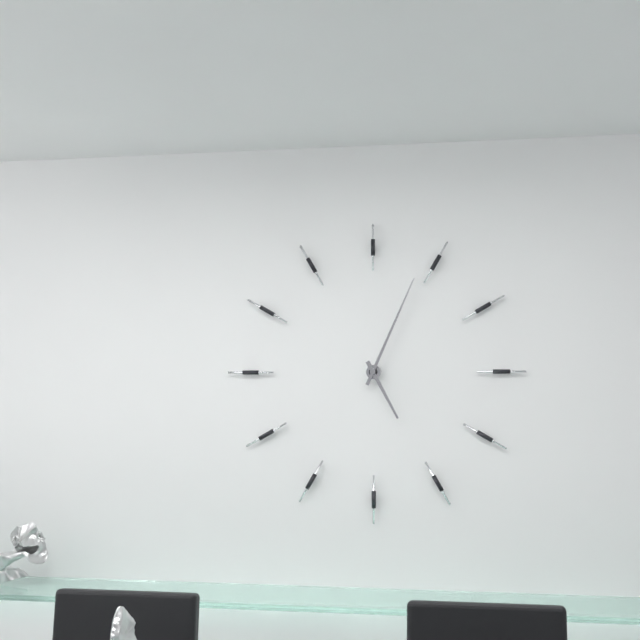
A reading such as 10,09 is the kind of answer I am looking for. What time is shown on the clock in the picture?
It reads 5,04
